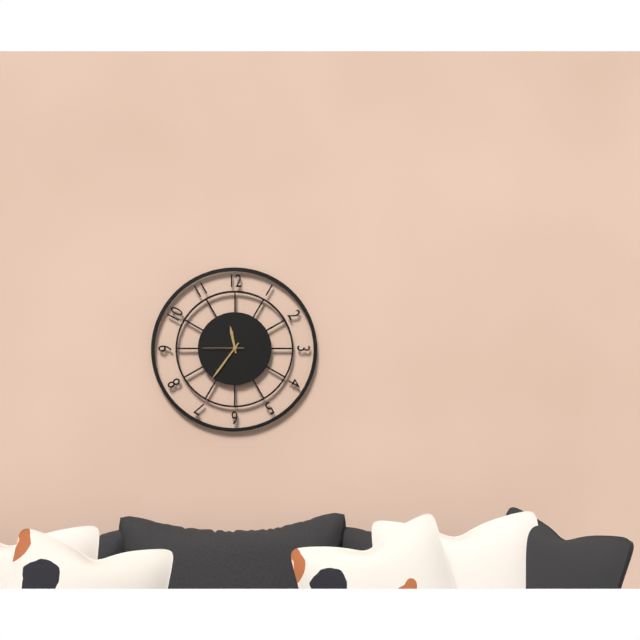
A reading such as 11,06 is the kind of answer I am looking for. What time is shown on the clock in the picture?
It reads 11,36
